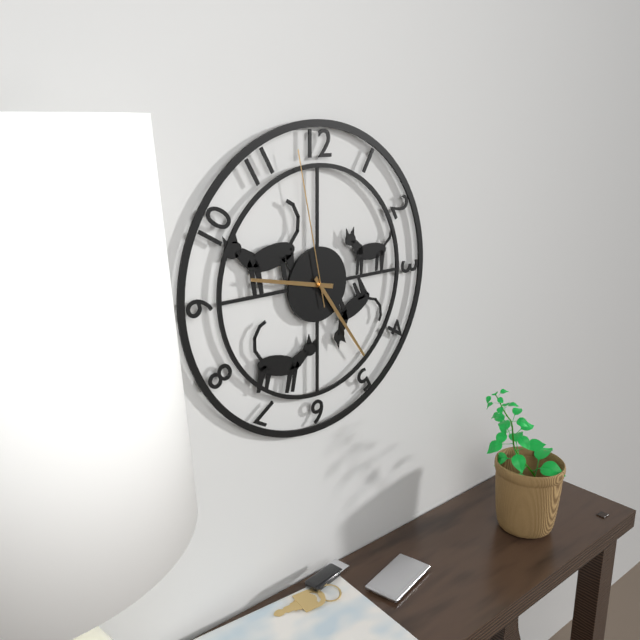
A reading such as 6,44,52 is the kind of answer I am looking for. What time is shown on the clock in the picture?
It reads 9,24,58
